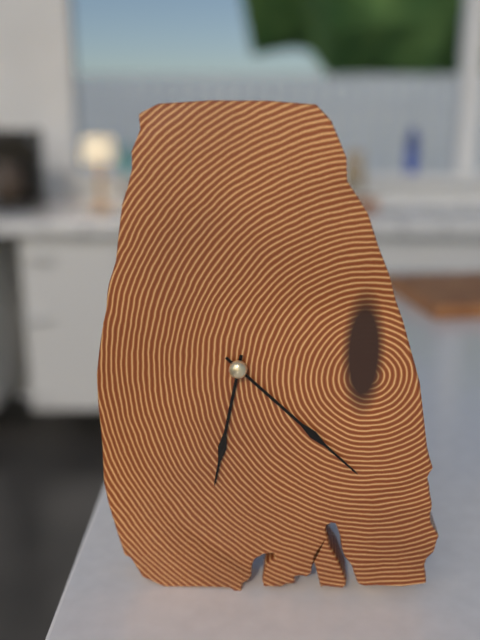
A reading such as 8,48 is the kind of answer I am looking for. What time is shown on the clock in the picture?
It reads 6,22
